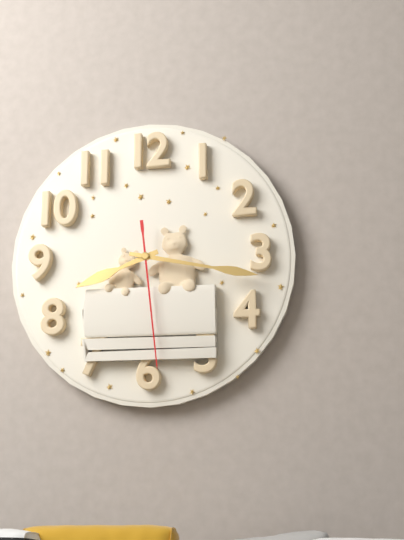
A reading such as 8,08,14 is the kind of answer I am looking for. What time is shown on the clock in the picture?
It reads 8,17,29
